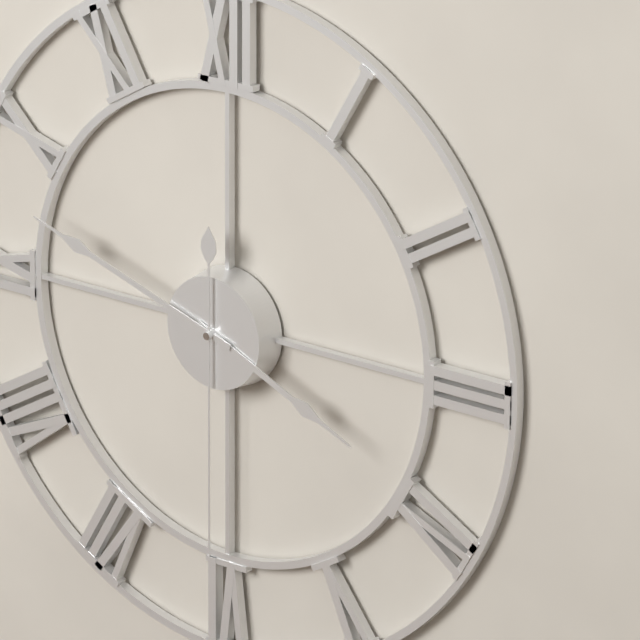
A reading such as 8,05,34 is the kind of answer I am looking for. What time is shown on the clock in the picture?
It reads 3,48,30
